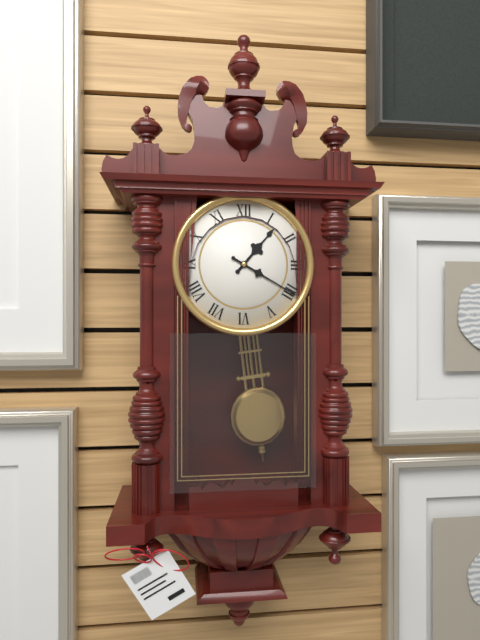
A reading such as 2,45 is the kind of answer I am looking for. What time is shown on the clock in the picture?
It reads 1,20
